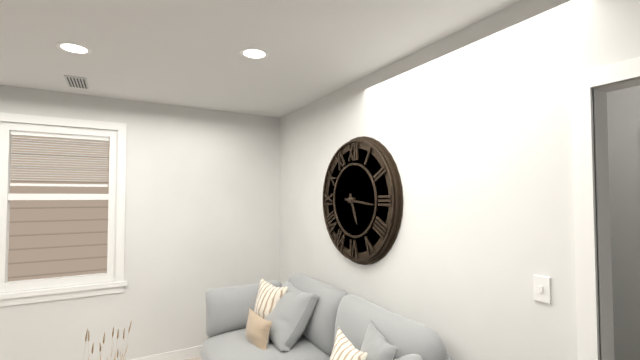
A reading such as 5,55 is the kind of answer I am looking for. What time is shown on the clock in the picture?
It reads 5,16
